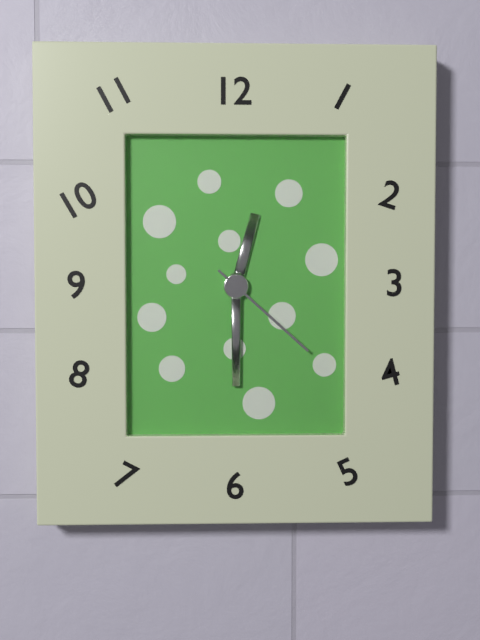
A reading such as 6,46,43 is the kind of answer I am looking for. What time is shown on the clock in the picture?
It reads 12,30,22
